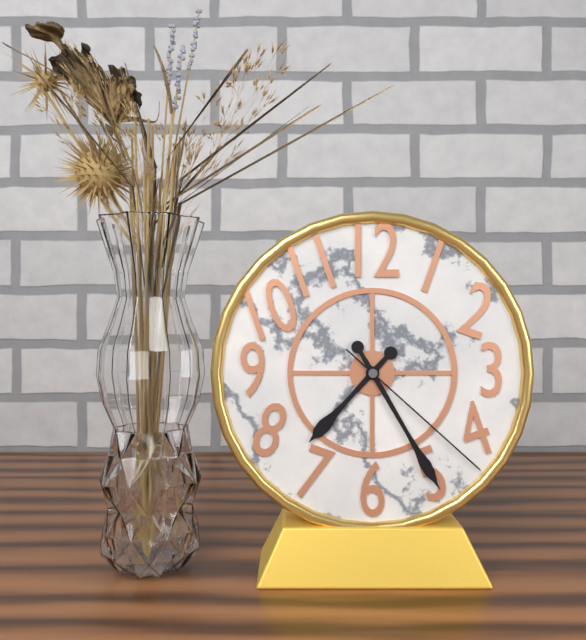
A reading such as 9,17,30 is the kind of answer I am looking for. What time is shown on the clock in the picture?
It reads 7,25,22
